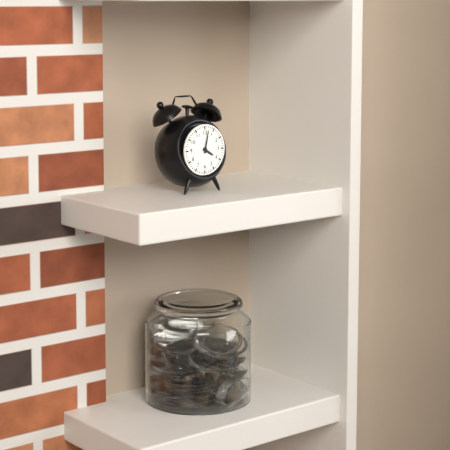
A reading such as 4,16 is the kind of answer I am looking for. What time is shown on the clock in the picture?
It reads 4,02
